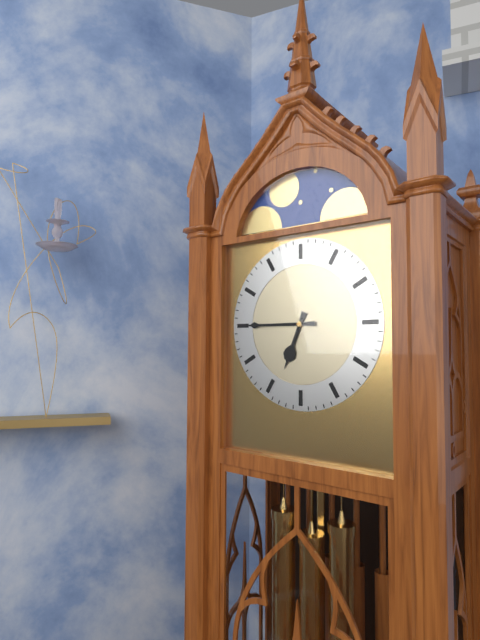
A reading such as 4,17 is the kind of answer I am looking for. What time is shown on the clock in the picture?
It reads 6,45
